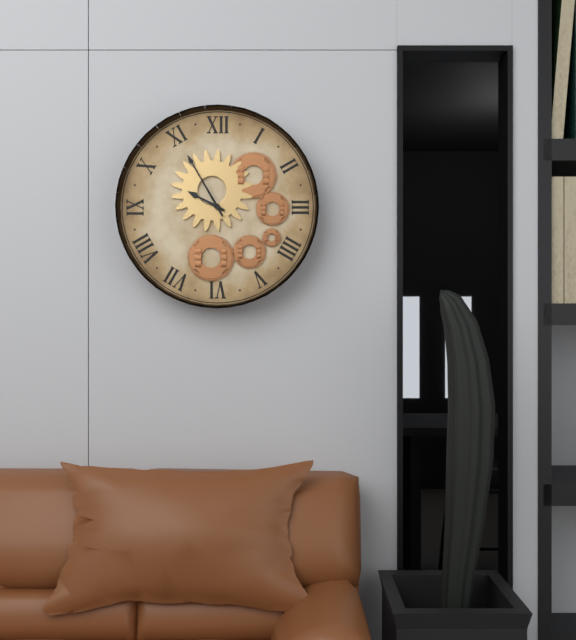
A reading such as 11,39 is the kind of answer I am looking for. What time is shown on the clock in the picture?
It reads 9,55
